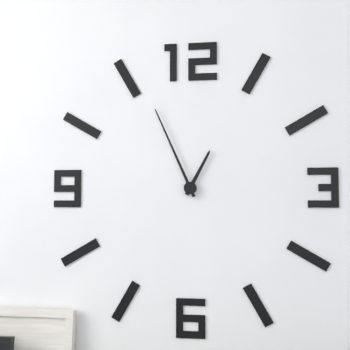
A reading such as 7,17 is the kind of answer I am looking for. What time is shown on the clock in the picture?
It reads 12,56
